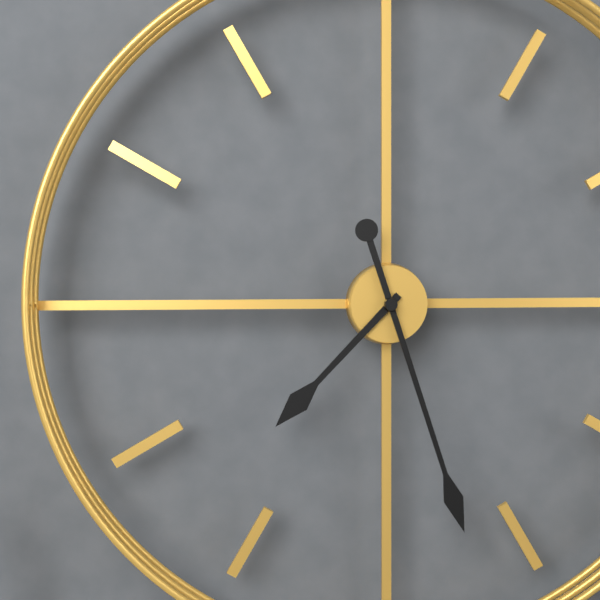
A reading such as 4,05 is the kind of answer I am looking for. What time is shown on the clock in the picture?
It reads 7,27
